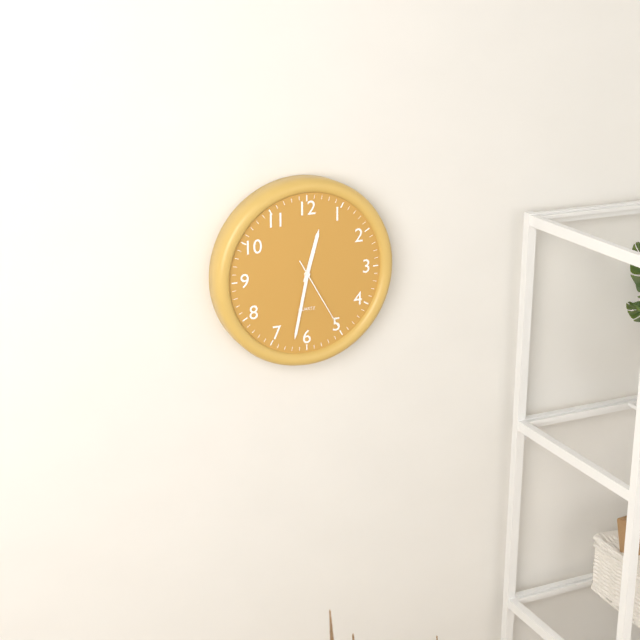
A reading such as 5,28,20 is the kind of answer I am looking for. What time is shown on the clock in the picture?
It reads 12,32,25
